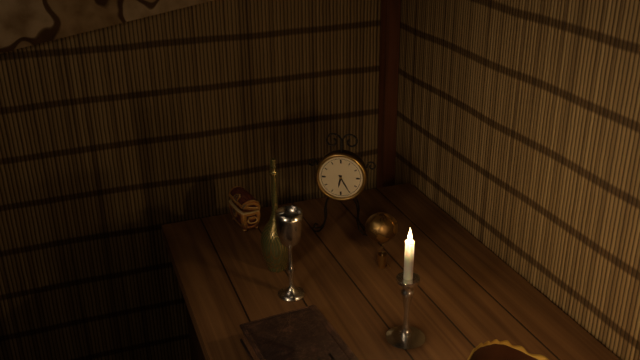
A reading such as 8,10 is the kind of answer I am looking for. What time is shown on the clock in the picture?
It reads 6,25
